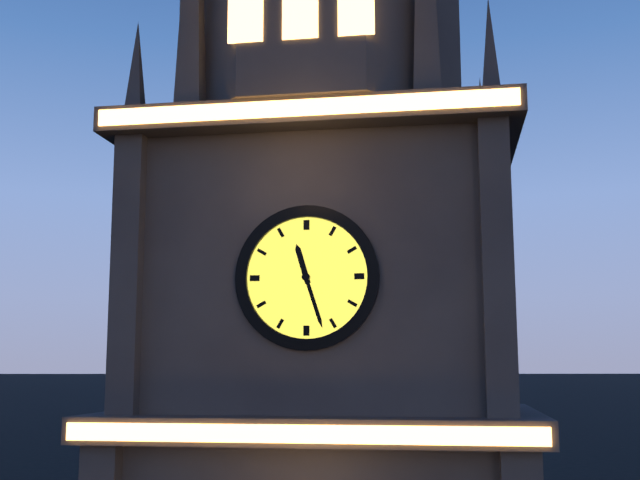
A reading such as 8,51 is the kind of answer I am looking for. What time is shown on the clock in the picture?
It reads 11,27
